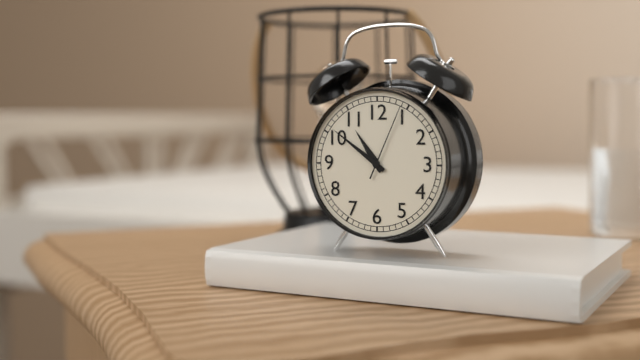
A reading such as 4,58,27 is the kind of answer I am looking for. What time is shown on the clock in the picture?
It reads 10,51,04
